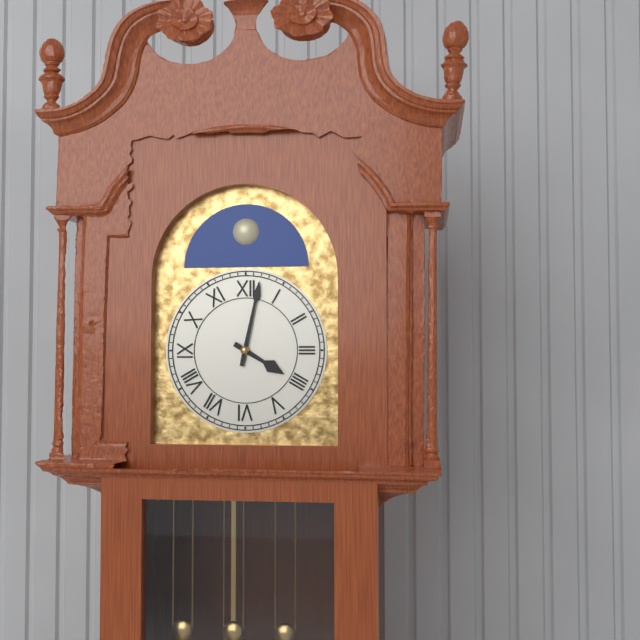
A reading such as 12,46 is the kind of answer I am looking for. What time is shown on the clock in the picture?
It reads 4,02
